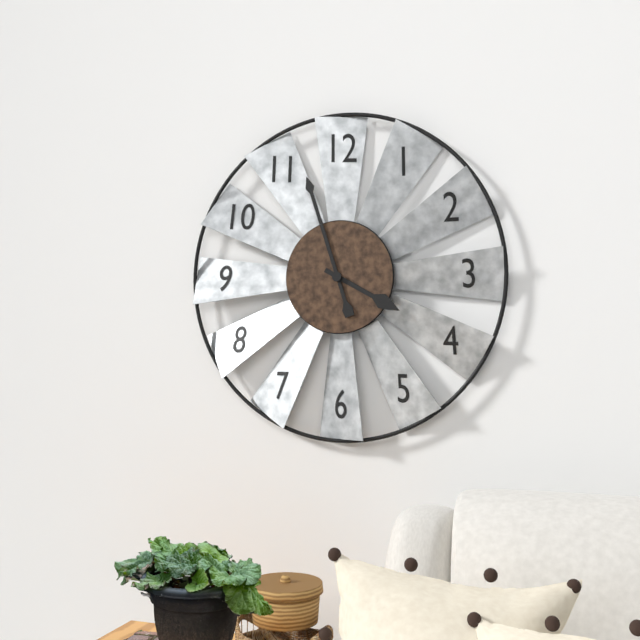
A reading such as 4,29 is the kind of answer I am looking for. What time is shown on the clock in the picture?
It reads 3,57
